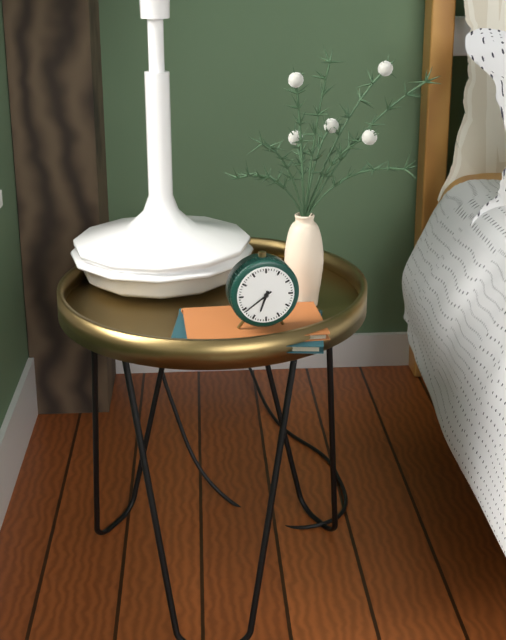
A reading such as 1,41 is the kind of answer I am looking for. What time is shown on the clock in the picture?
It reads 6,39
